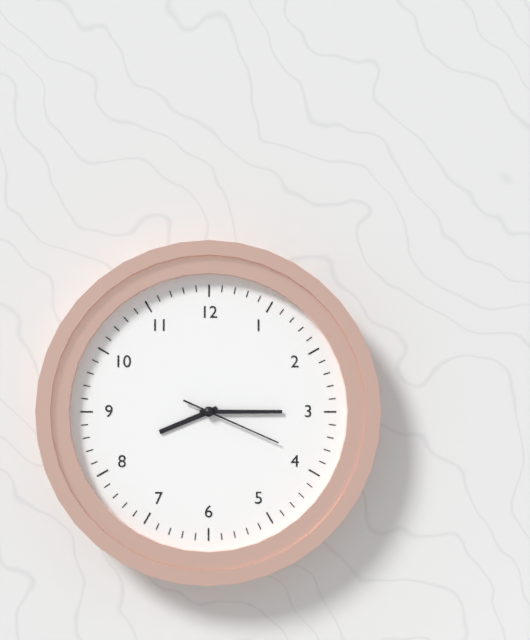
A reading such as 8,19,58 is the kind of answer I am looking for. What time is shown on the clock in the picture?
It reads 8,15,19
